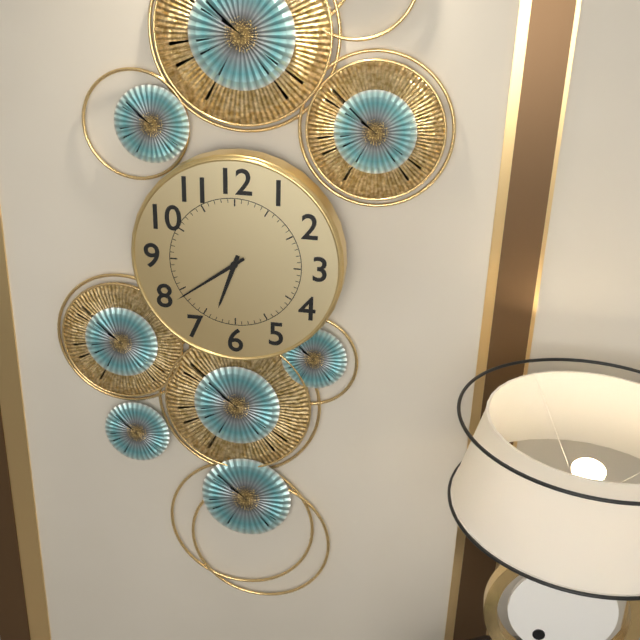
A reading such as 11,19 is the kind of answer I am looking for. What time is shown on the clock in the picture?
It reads 6,39
